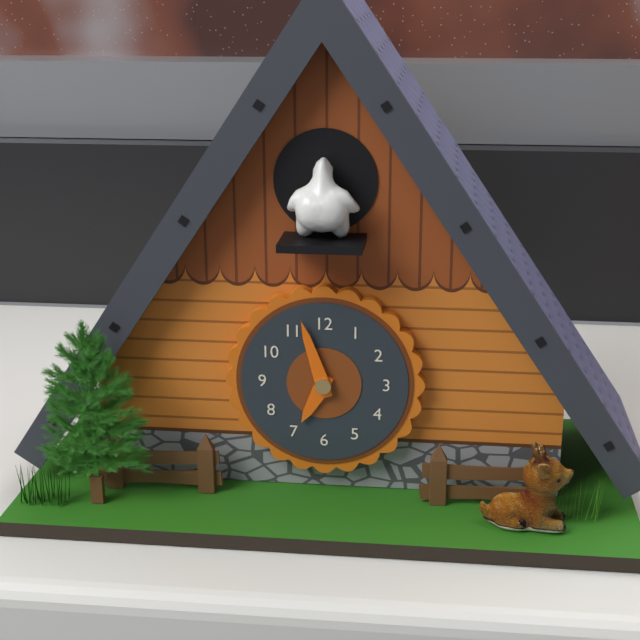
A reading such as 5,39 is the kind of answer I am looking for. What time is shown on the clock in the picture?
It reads 6,57
